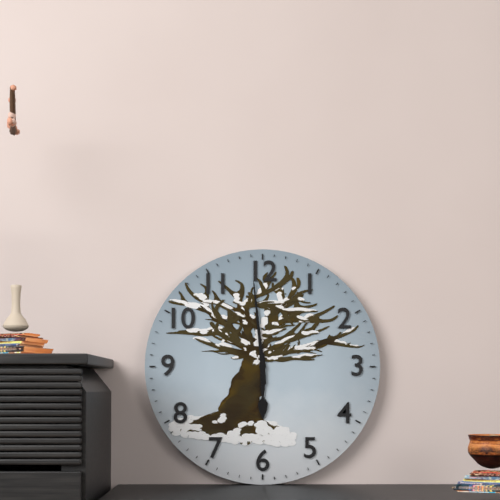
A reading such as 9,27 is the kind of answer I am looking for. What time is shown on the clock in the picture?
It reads 5,59
